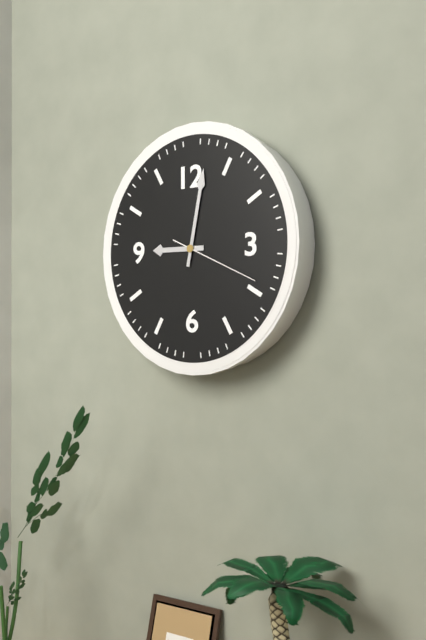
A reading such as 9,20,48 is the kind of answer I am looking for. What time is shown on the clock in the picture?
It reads 9,02,19
